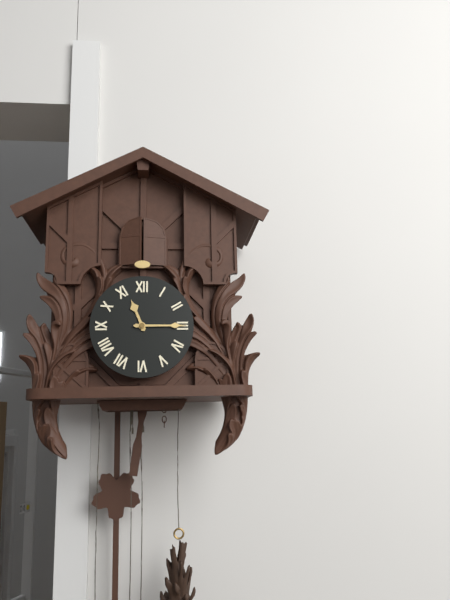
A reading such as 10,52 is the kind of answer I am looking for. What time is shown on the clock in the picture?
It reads 11,15
